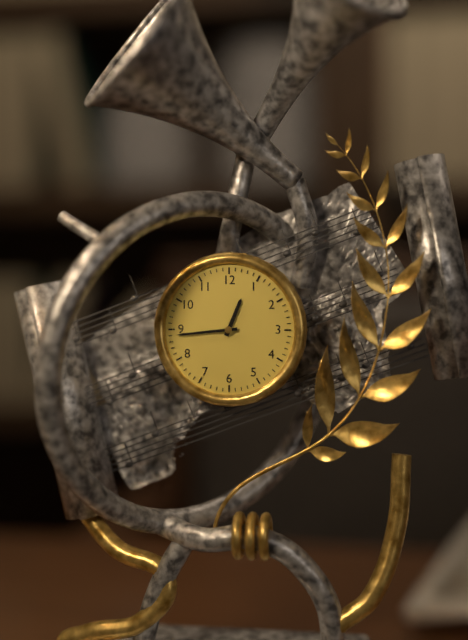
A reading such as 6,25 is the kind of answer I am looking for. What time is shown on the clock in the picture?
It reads 12,44
